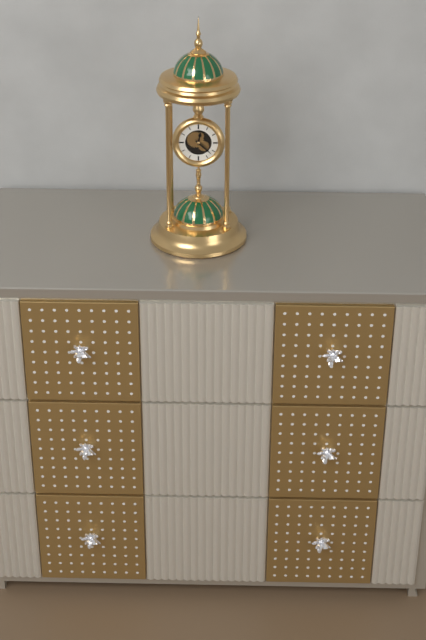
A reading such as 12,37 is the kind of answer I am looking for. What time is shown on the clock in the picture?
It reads 12,22
